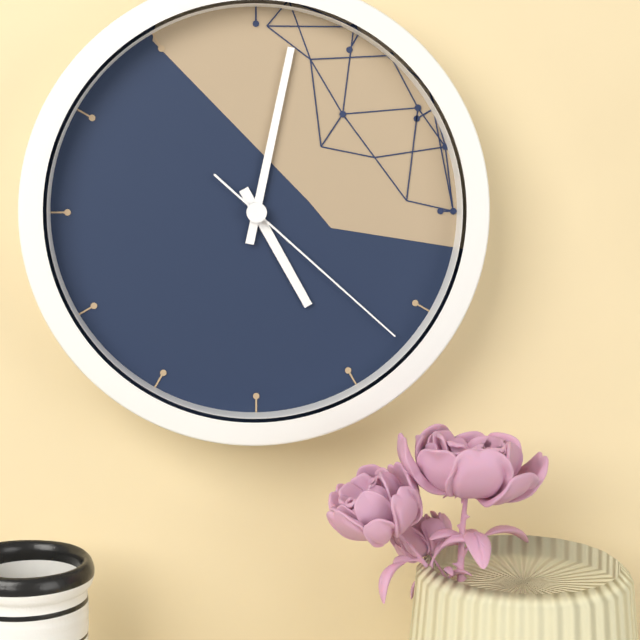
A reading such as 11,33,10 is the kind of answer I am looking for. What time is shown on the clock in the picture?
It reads 5,02,22
